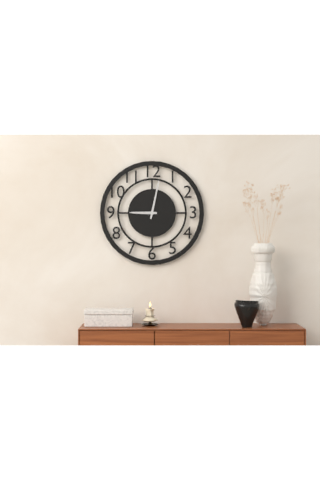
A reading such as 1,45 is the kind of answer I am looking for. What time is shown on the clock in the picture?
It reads 9,02
